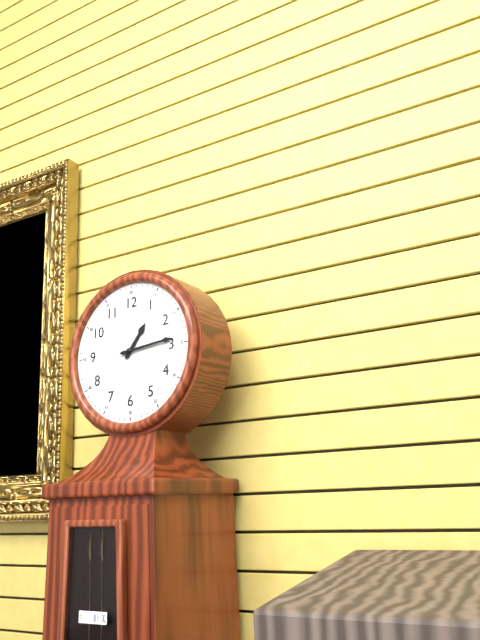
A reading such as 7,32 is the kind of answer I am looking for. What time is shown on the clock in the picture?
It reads 1,14
